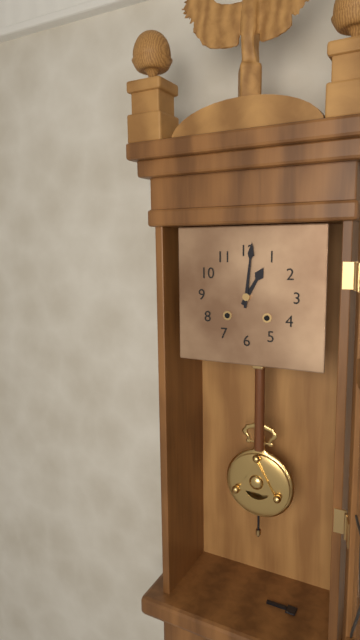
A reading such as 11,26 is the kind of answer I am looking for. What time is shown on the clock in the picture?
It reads 1,01
